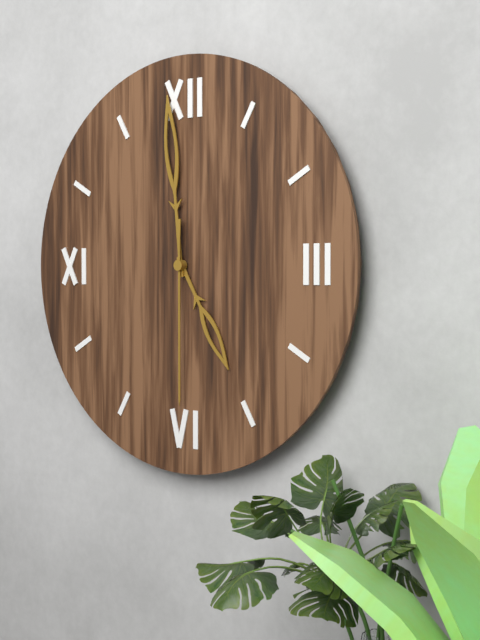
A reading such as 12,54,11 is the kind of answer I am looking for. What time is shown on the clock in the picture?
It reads 4,59,30
